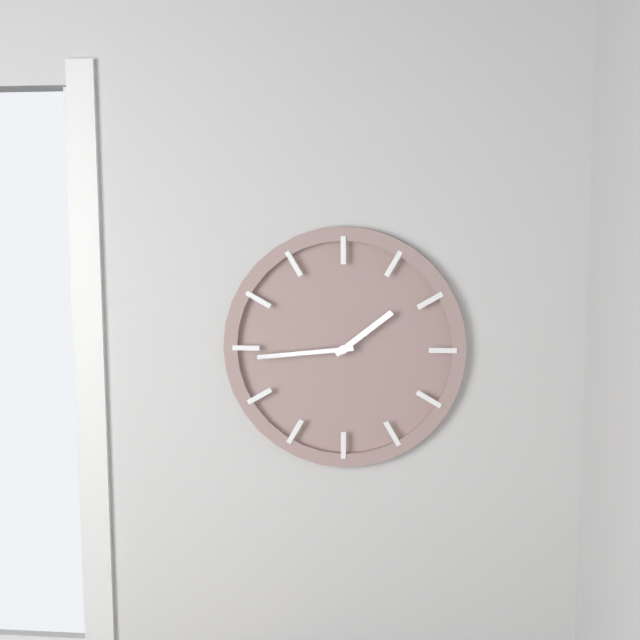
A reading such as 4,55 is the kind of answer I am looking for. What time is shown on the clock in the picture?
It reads 1,44
